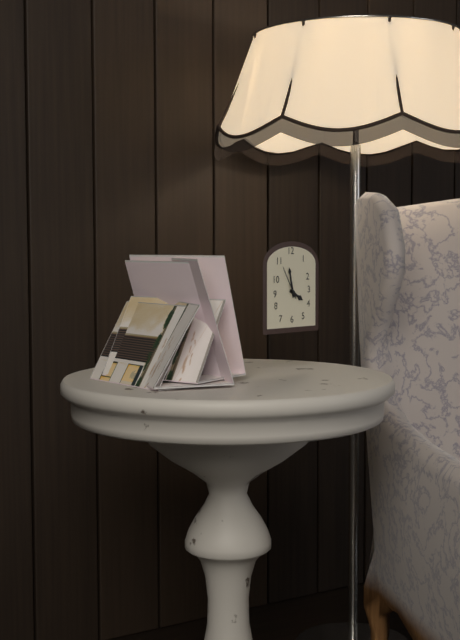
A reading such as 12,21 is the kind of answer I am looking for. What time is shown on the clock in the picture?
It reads 3,58
